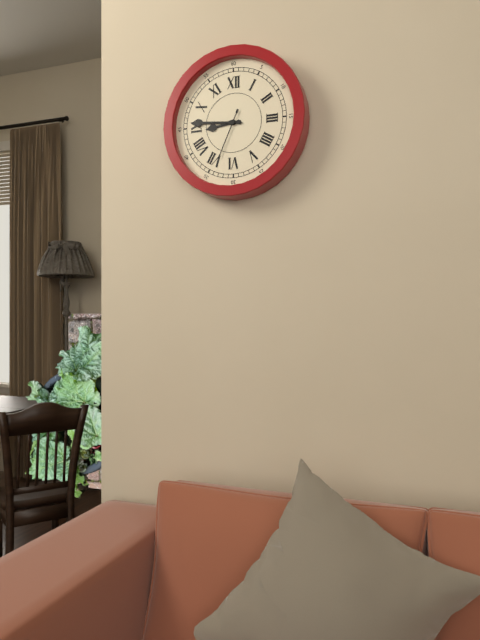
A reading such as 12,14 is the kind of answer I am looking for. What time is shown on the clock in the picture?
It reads 8,46
